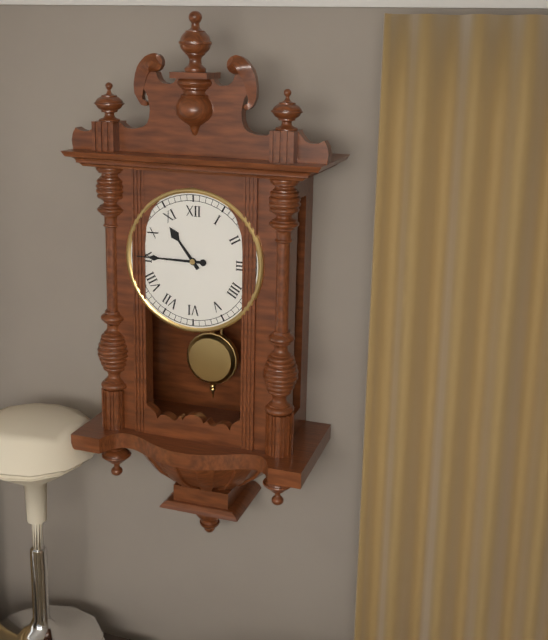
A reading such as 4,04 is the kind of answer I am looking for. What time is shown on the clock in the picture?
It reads 10,45
